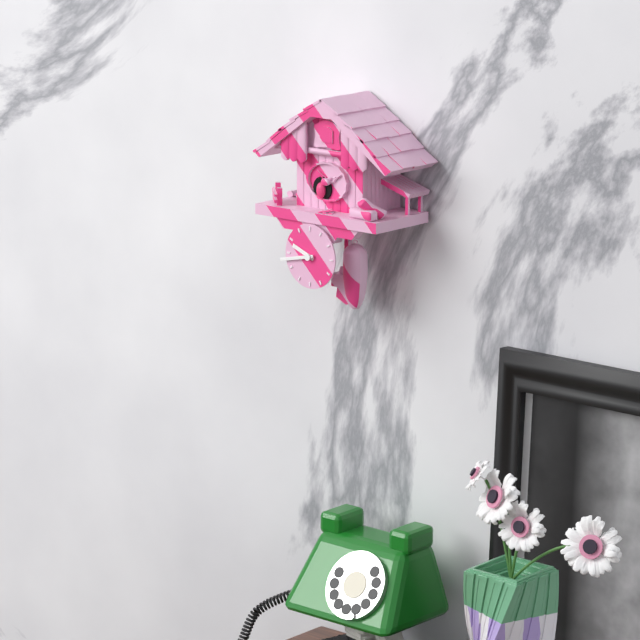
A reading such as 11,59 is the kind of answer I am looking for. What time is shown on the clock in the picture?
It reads 9,43
